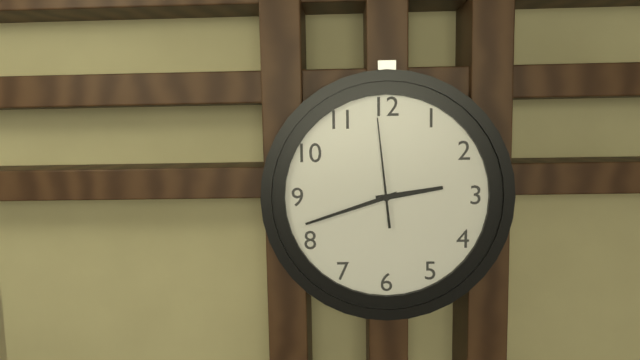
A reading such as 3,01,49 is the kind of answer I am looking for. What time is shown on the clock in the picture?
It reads 2,42,59
